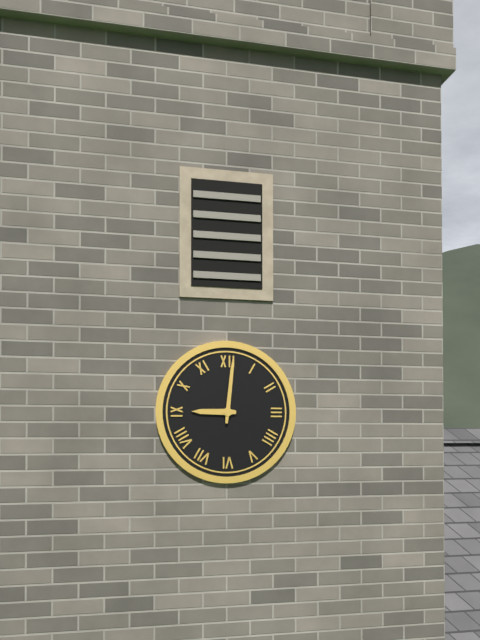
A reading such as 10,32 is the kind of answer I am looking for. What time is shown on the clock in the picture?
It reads 9,01
